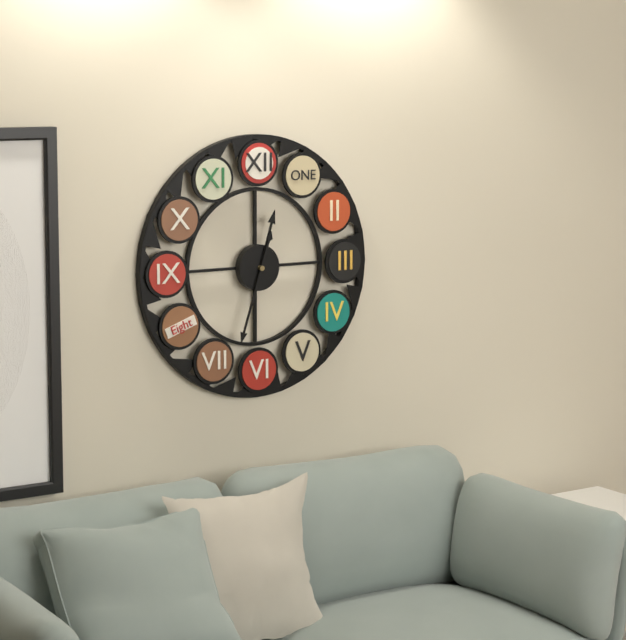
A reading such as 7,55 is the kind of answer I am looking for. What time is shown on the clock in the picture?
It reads 12,33
